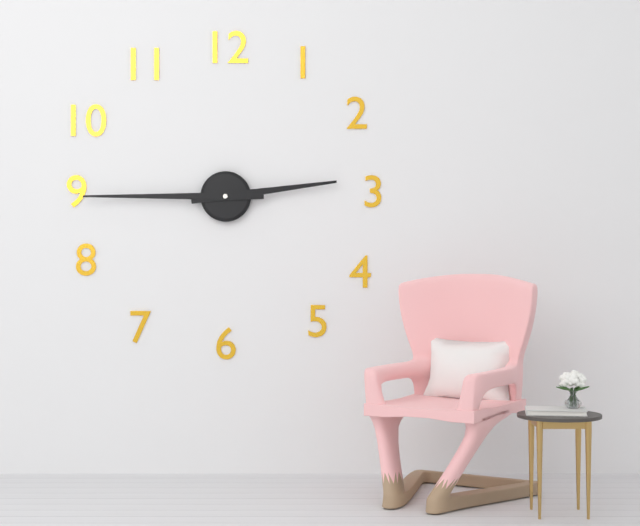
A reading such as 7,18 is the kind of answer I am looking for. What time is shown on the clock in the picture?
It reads 2,45
